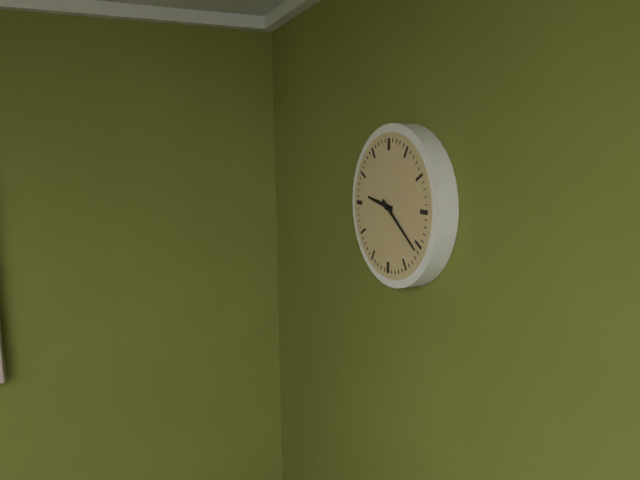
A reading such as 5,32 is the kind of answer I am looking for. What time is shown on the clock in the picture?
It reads 9,21
